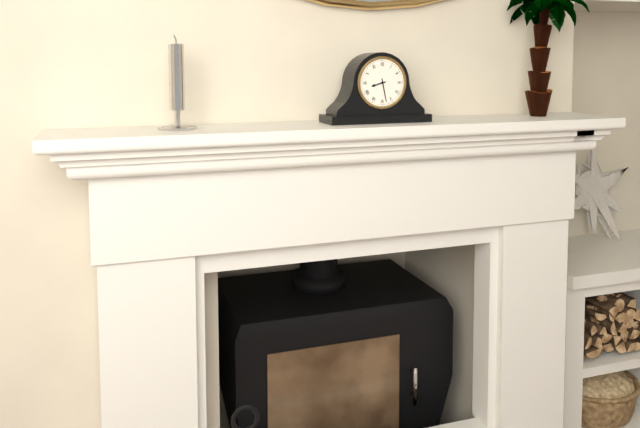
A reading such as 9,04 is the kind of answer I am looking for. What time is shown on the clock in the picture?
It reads 8,28
